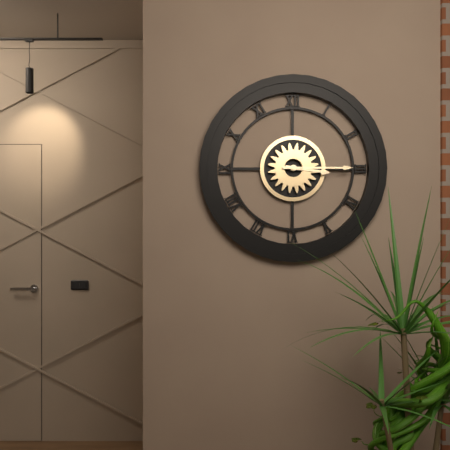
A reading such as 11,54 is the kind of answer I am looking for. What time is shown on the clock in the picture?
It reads 3,15
